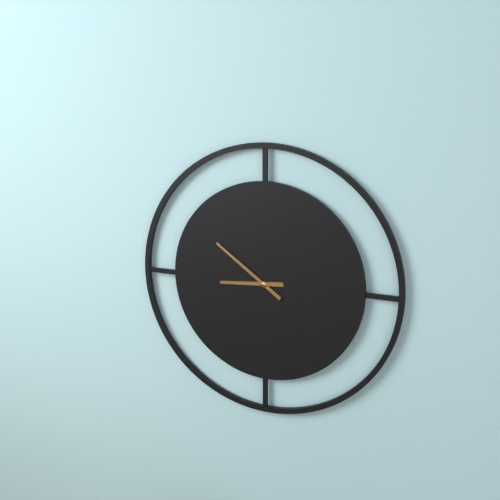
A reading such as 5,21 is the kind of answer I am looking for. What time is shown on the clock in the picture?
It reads 8,51
